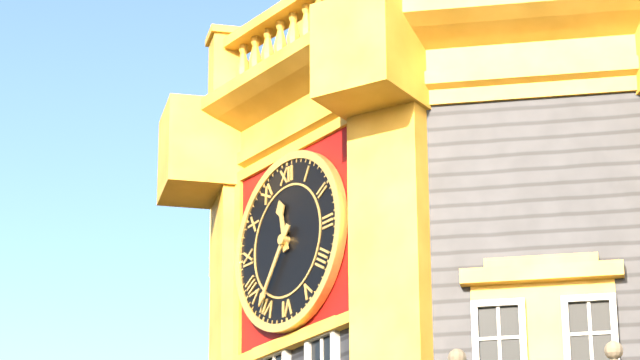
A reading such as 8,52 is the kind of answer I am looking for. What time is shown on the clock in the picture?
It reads 11,36
